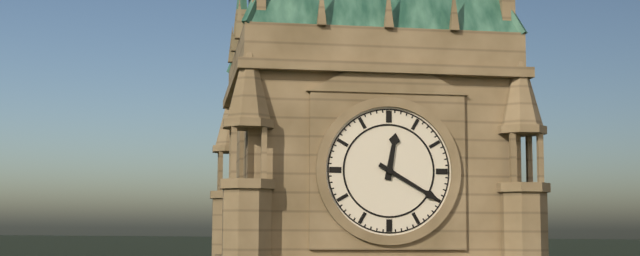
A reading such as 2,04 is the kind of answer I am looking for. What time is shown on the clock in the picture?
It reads 12,20
